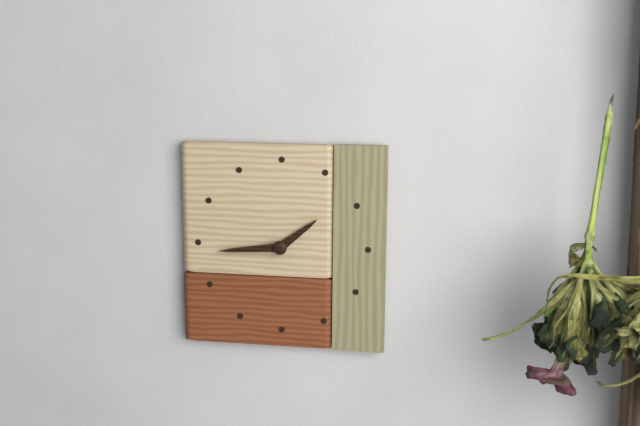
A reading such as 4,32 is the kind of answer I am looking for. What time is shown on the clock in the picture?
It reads 1,44
